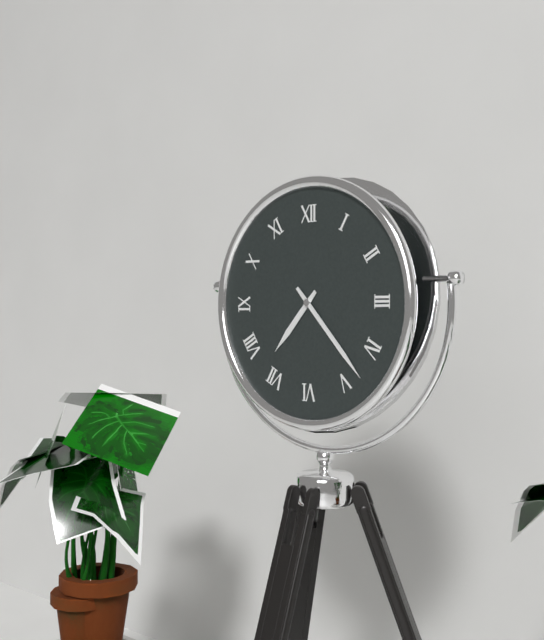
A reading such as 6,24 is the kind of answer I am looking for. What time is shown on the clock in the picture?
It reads 7,23
